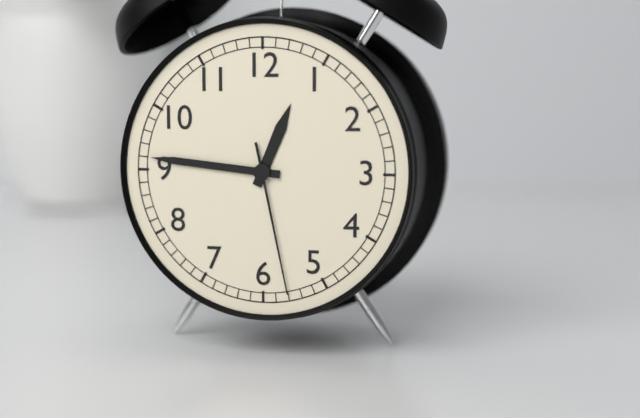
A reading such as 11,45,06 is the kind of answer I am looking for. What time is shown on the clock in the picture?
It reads 12,46,28
